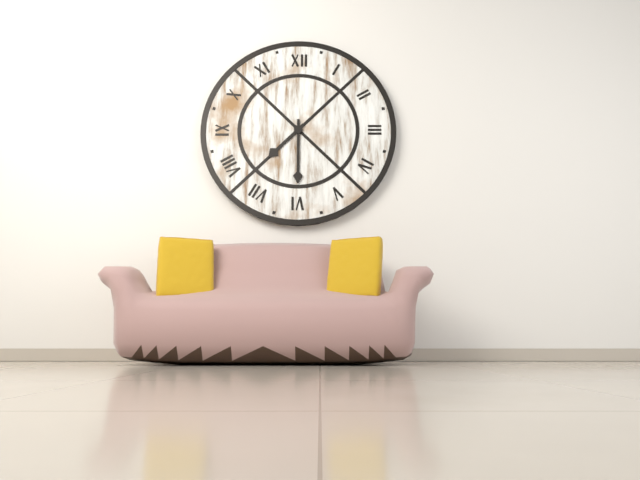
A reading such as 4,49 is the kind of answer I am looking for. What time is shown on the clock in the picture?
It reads 7,30
